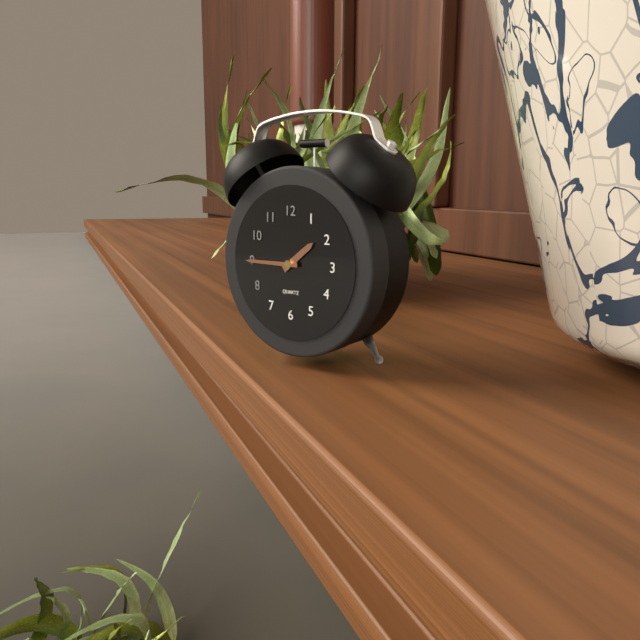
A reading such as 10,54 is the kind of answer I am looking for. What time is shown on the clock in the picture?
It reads 1,45
